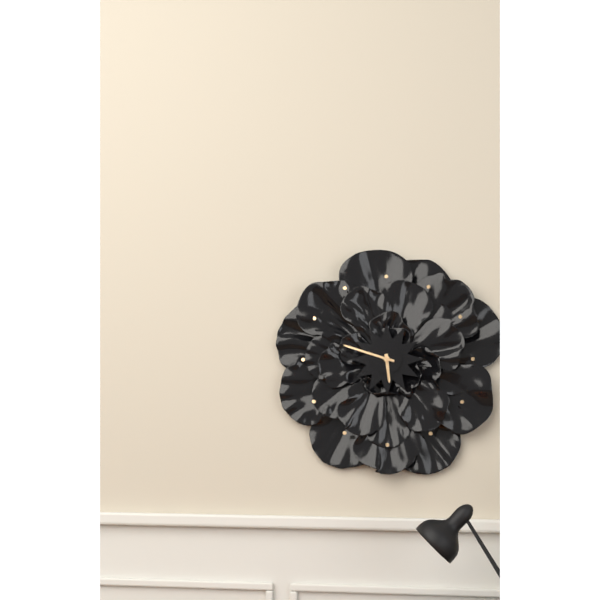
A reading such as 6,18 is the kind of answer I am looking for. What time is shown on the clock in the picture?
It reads 5,48
